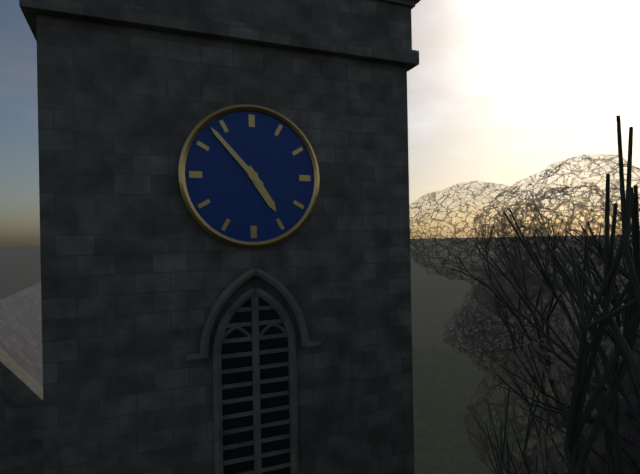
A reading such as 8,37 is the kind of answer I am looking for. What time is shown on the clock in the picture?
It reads 4,53
